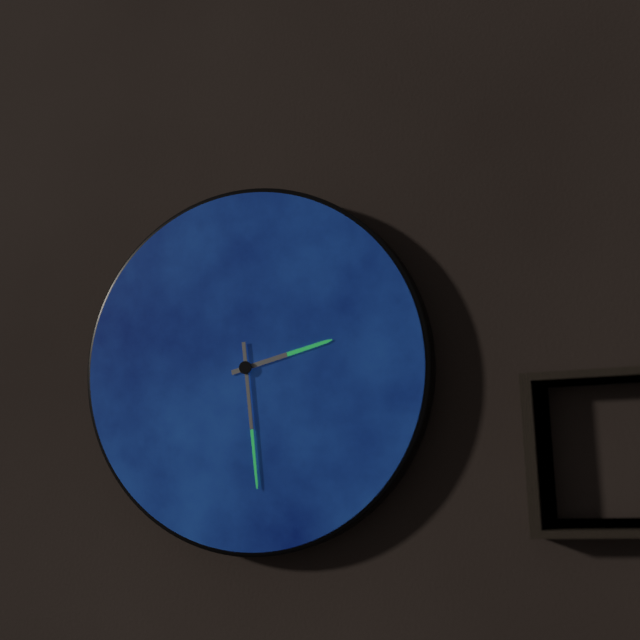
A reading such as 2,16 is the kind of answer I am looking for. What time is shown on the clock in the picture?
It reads 2,29
